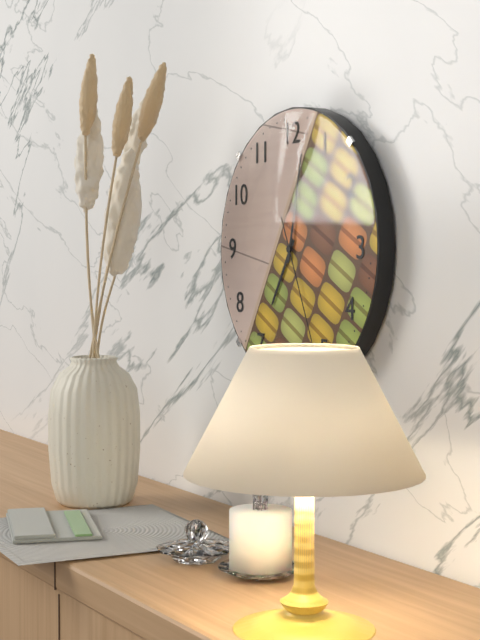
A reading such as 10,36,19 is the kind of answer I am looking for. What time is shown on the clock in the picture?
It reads 7,02,26
